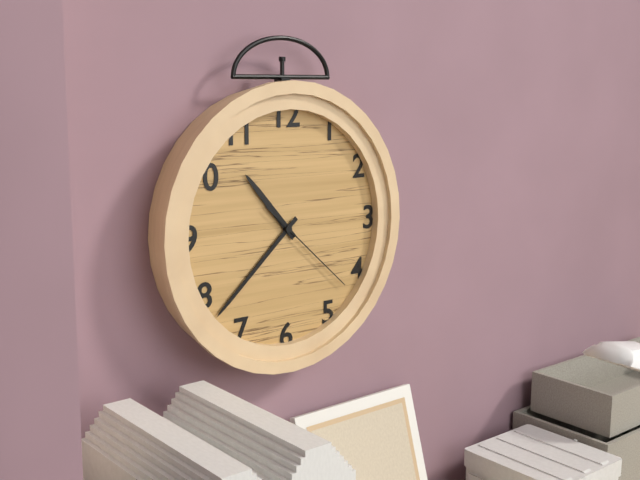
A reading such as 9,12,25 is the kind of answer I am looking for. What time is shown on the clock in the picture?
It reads 10,38,22
